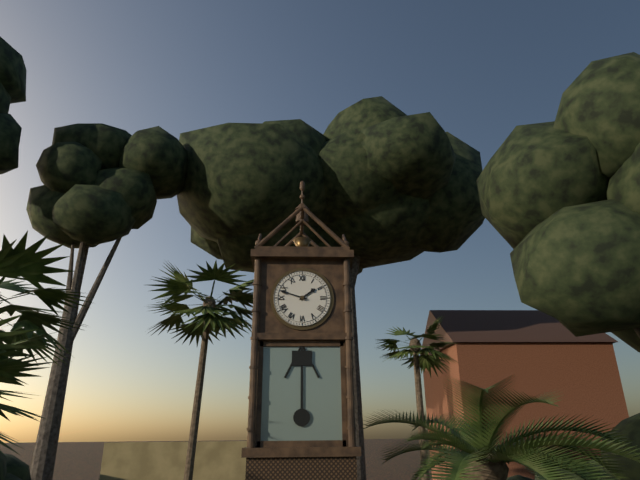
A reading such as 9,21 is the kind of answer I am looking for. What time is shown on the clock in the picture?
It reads 1,48
